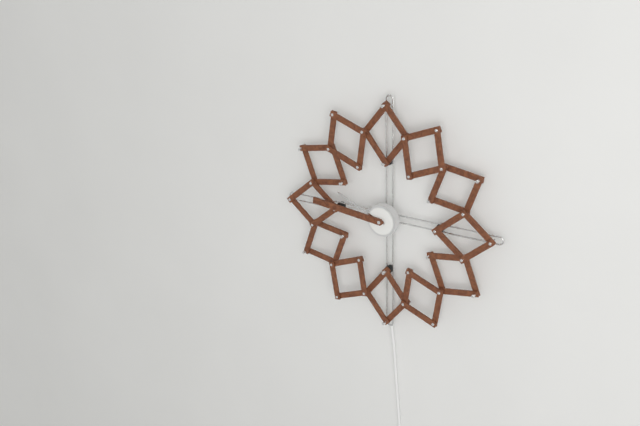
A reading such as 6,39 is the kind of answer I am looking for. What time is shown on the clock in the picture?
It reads 9,46
